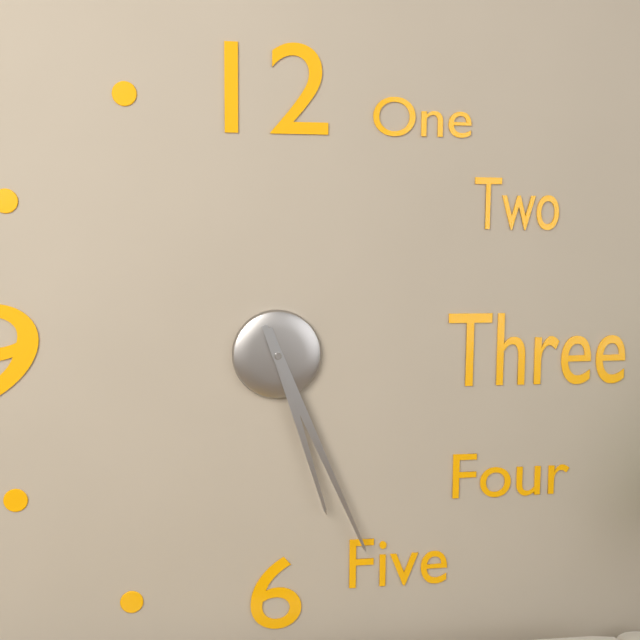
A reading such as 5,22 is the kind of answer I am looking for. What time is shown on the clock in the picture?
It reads 5,26
